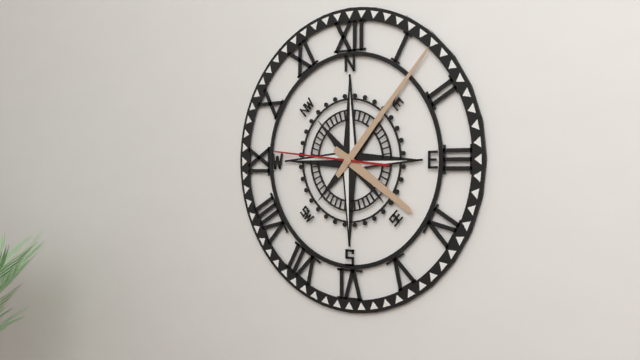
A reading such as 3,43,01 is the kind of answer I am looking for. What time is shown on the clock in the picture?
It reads 4,07,46
